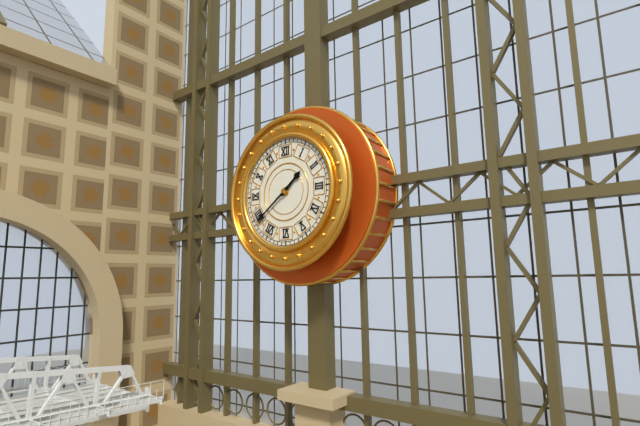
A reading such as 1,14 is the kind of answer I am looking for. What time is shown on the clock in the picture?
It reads 1,39
